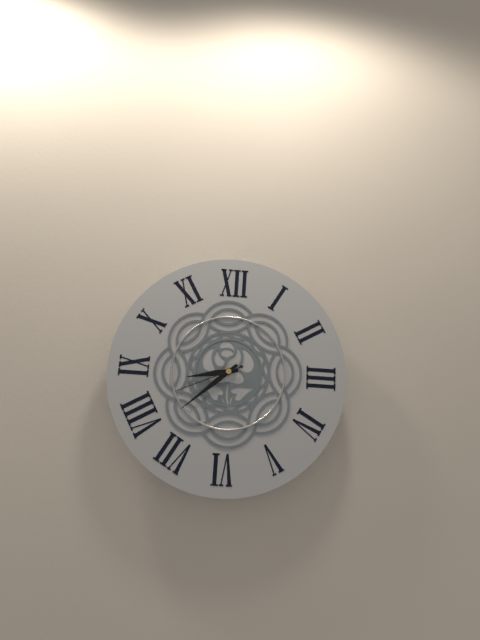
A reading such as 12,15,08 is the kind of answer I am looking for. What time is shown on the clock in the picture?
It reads 8,38,41
